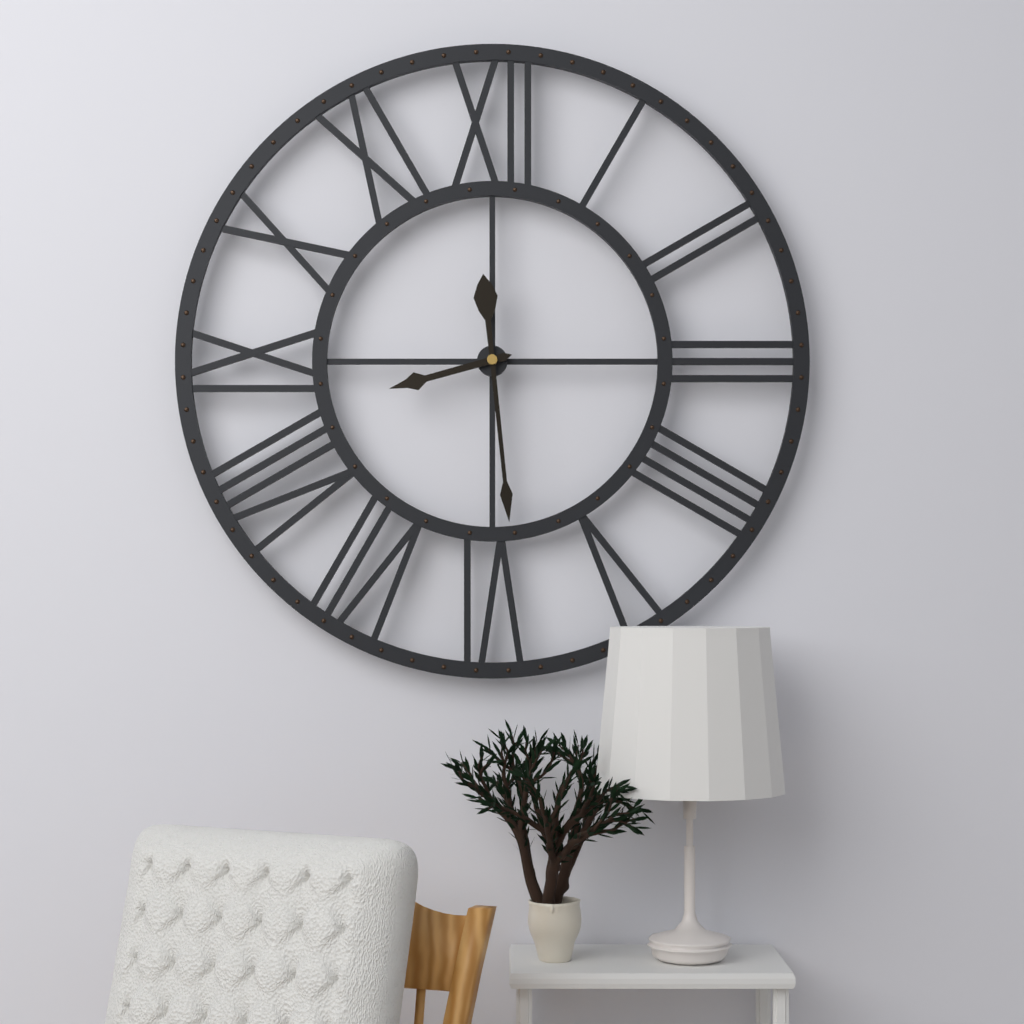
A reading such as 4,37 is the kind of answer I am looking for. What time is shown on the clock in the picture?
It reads 8,29
